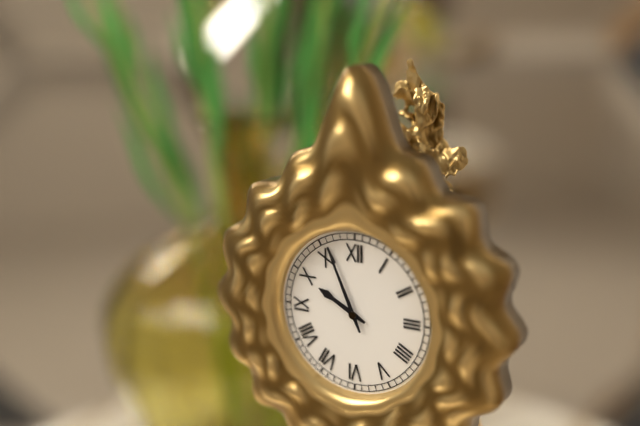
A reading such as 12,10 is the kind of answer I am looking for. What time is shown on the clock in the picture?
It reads 9,56
